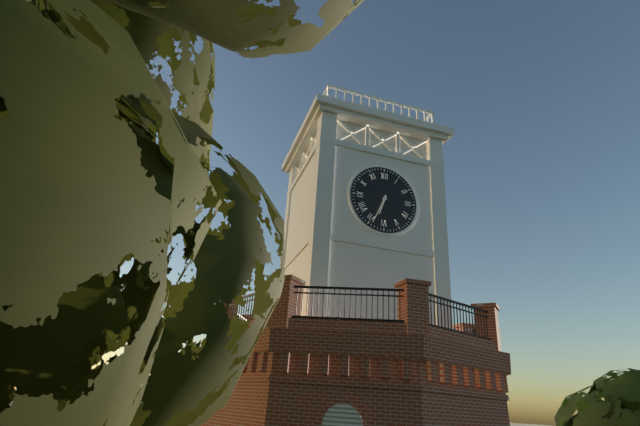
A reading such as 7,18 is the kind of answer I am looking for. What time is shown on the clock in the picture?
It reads 6,34
